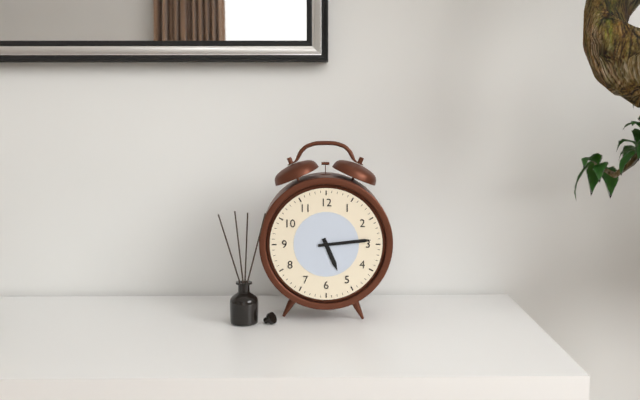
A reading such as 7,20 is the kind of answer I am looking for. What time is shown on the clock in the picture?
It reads 5,14
